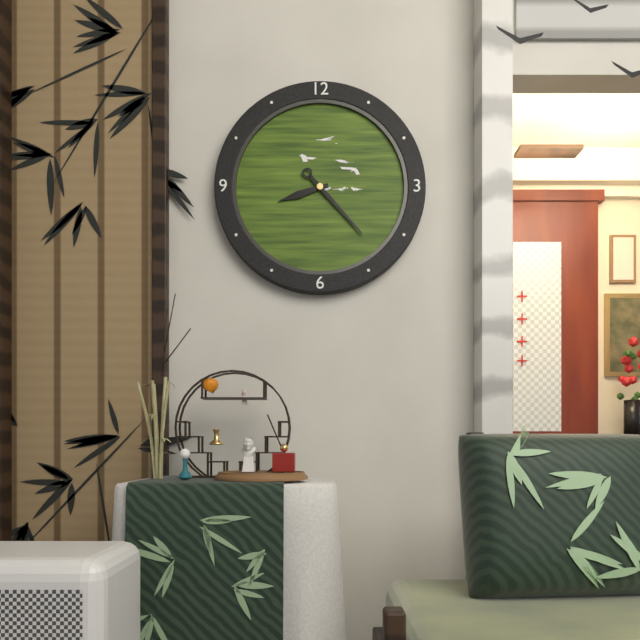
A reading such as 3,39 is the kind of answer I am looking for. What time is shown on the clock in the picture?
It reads 8,23
